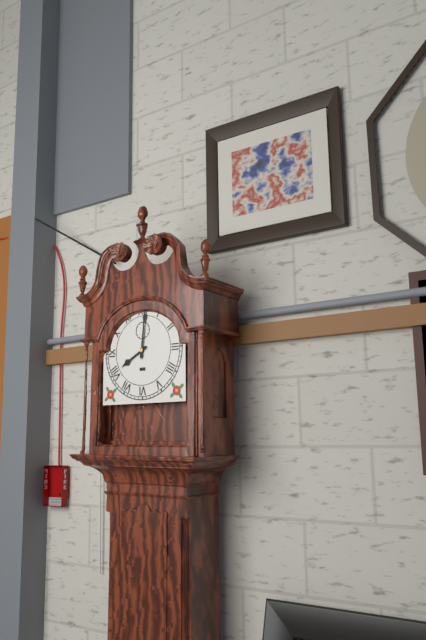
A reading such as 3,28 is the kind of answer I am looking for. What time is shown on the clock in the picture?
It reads 8,01
